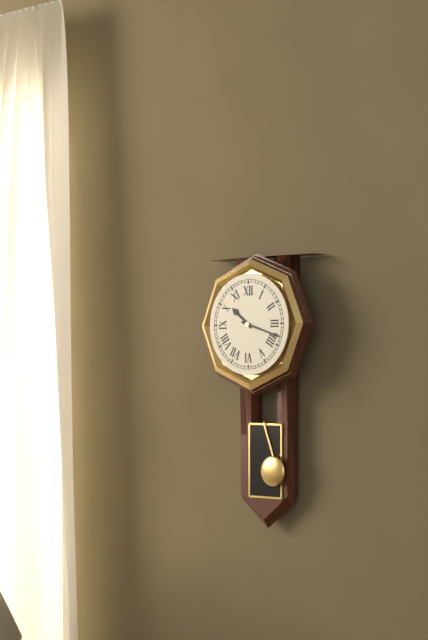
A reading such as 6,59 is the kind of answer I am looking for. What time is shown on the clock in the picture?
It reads 10,18
